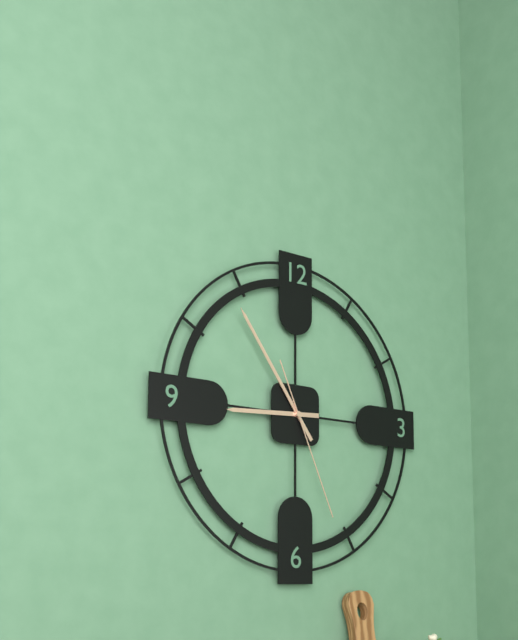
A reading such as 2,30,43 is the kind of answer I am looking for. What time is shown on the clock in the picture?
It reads 8,54,26
